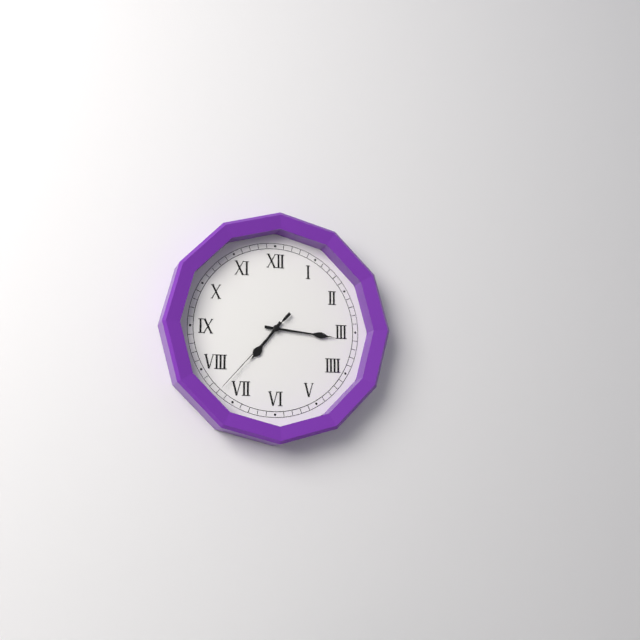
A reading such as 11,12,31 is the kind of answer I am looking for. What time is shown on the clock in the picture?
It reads 7,16,37
